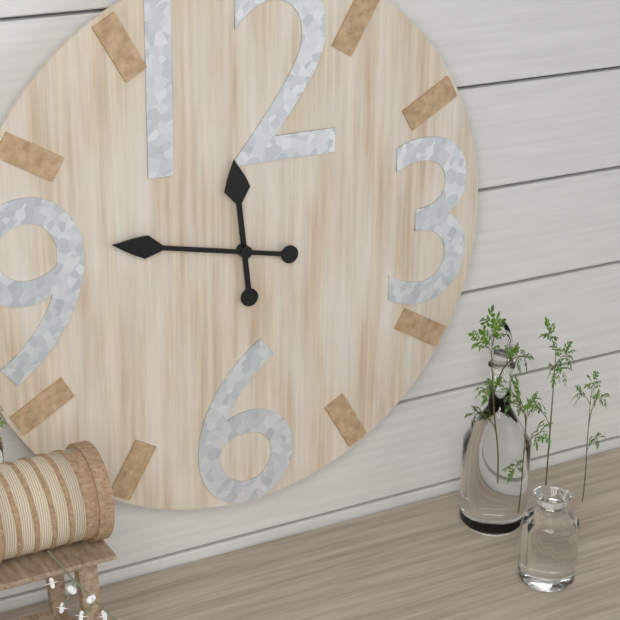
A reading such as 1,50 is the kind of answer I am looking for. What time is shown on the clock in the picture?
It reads 11,47
